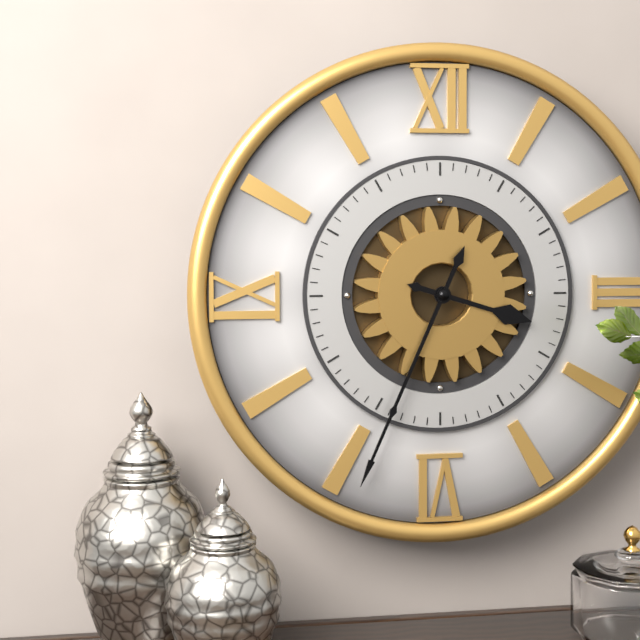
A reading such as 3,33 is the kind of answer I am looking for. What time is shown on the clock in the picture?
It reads 3,34
